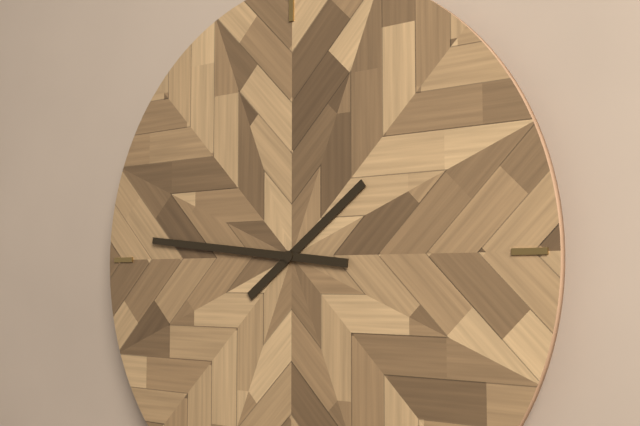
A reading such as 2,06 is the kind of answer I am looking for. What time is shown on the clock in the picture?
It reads 1,46
